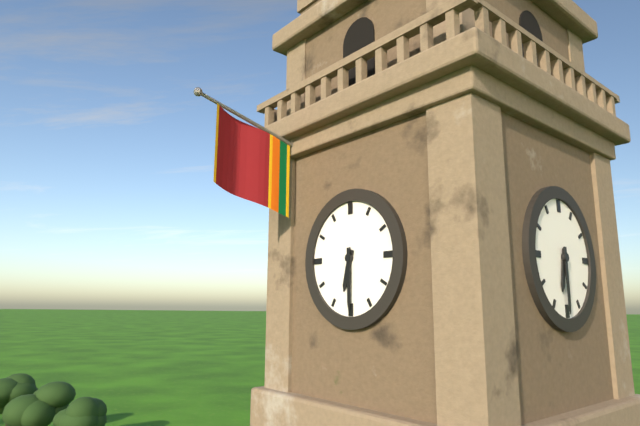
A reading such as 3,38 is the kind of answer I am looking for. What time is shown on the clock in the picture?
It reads 6,30
